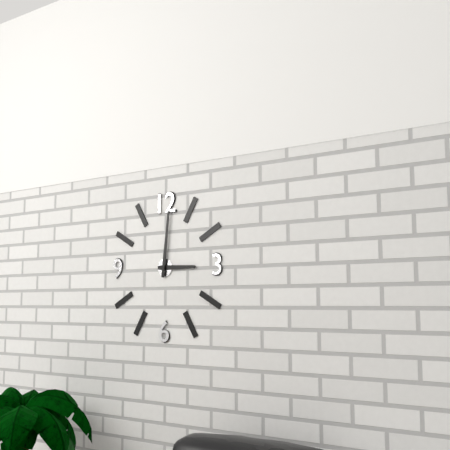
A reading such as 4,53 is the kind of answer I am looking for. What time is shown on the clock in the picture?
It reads 3,01
